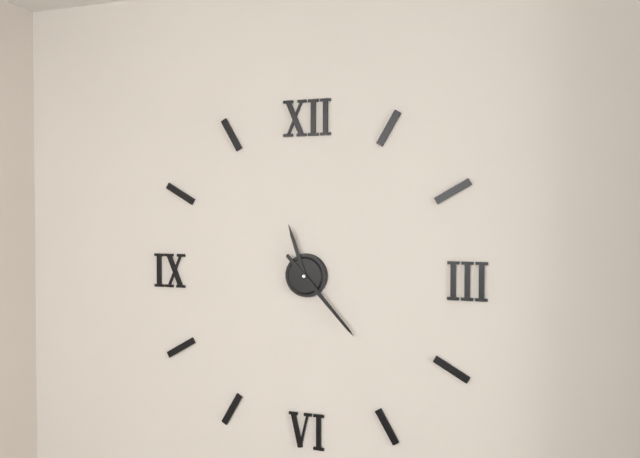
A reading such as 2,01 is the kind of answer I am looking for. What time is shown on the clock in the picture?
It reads 11,23
